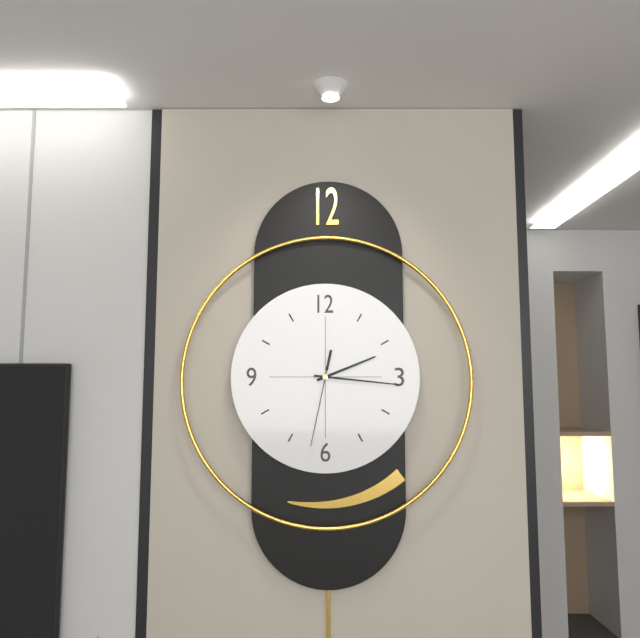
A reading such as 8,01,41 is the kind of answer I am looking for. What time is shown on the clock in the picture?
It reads 2,16,32
